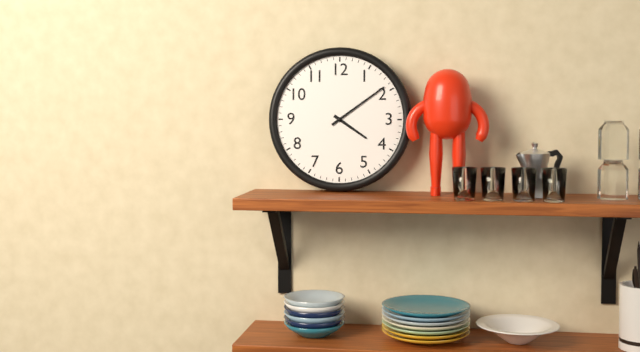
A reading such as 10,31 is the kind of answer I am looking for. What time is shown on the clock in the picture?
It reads 4,09
